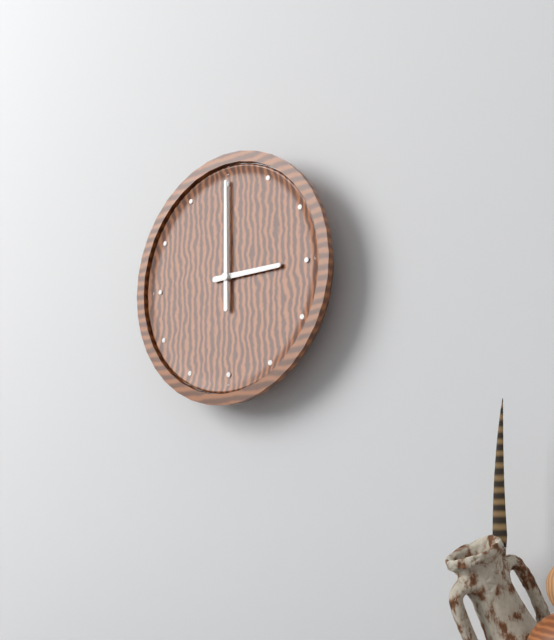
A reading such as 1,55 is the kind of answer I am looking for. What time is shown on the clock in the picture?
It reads 3,00
